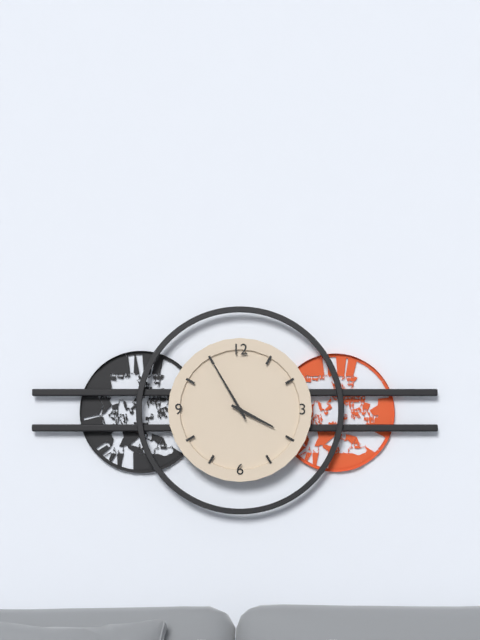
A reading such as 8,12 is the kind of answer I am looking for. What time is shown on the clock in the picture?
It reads 3,55
